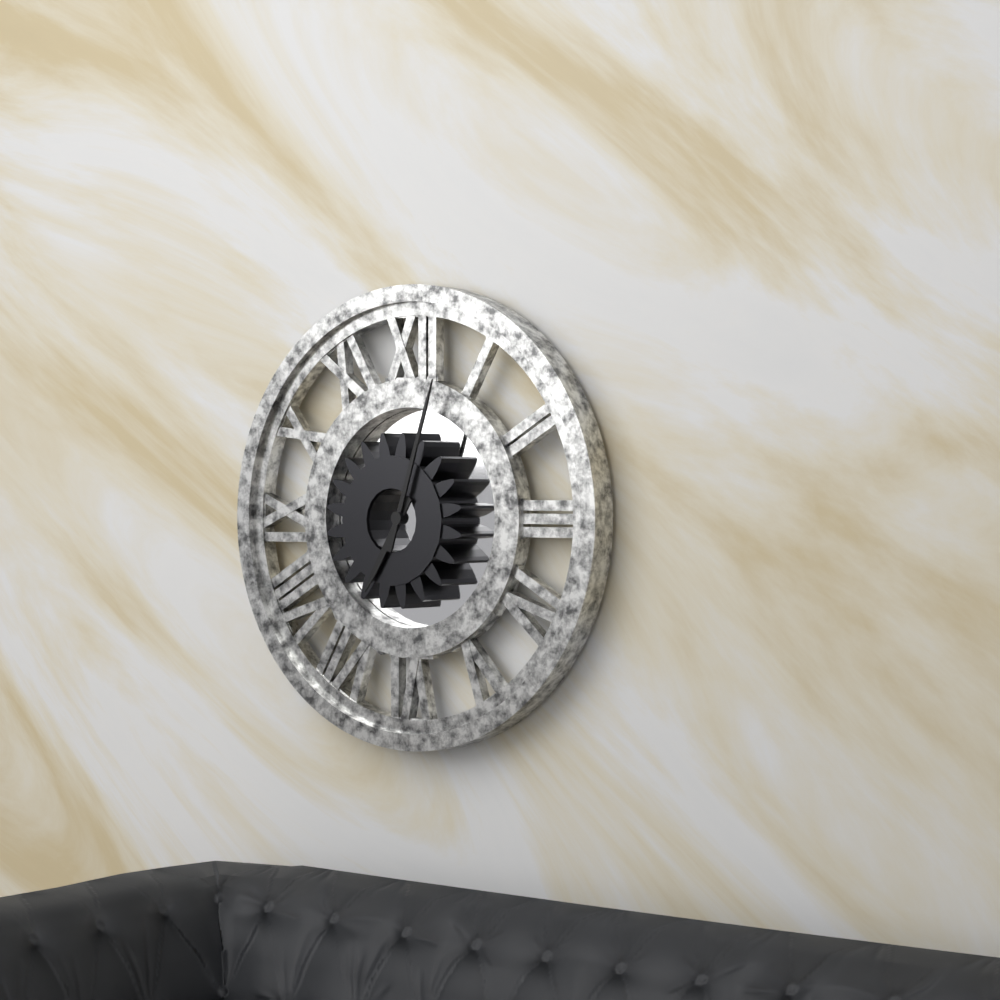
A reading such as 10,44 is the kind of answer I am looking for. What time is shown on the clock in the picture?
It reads 7,03
